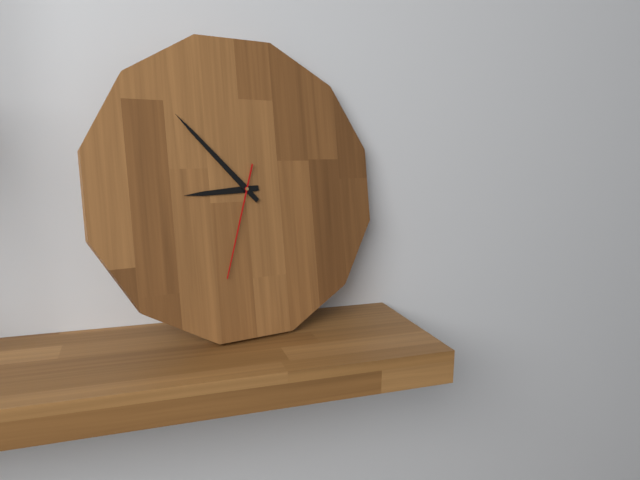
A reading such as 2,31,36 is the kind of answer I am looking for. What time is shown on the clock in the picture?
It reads 8,53,33
